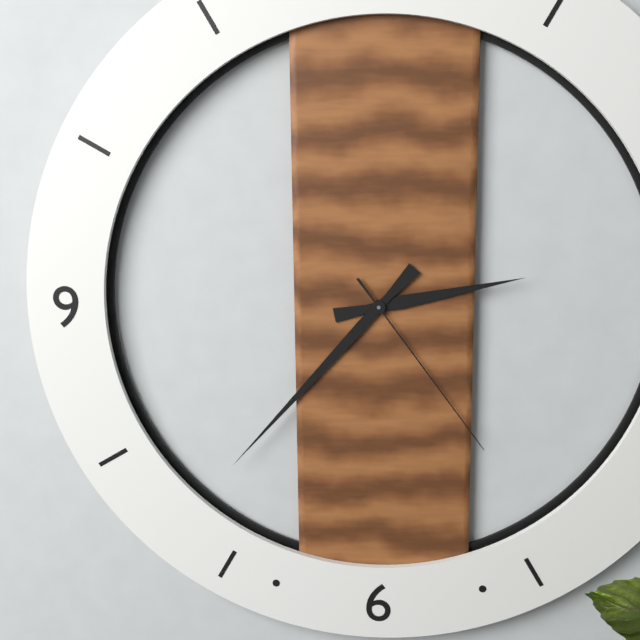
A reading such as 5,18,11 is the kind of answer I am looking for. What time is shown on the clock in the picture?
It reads 2,37,24
